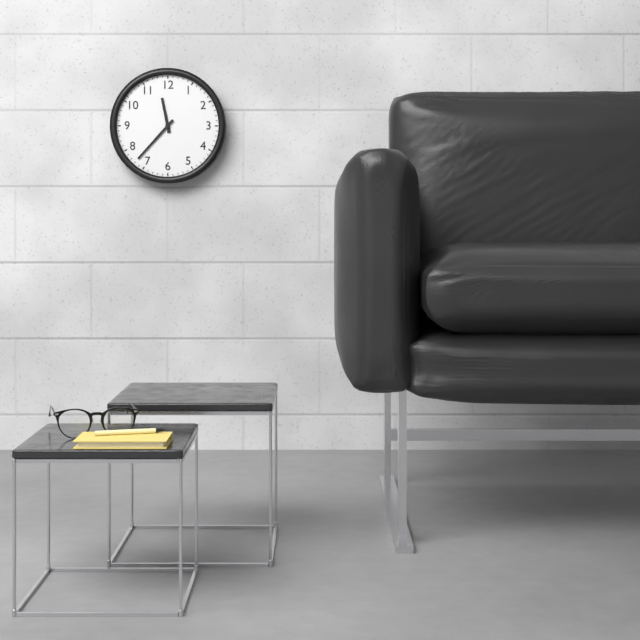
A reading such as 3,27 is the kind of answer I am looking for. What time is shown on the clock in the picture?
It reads 11,37
